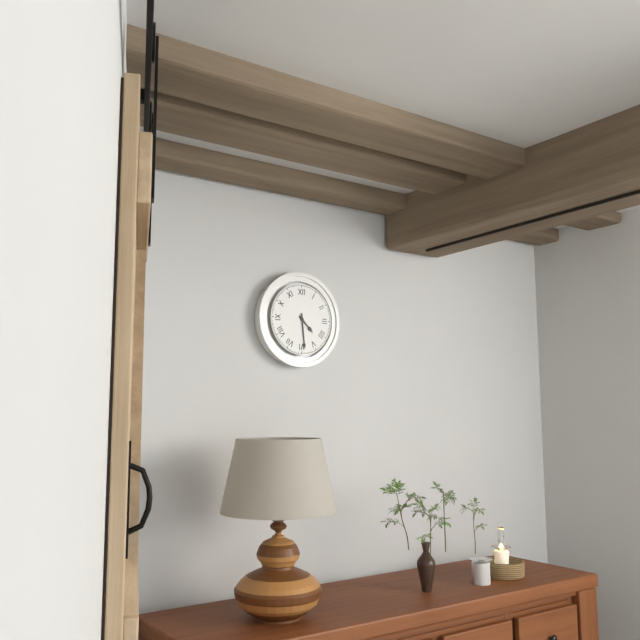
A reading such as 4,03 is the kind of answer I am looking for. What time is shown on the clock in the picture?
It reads 4,29
